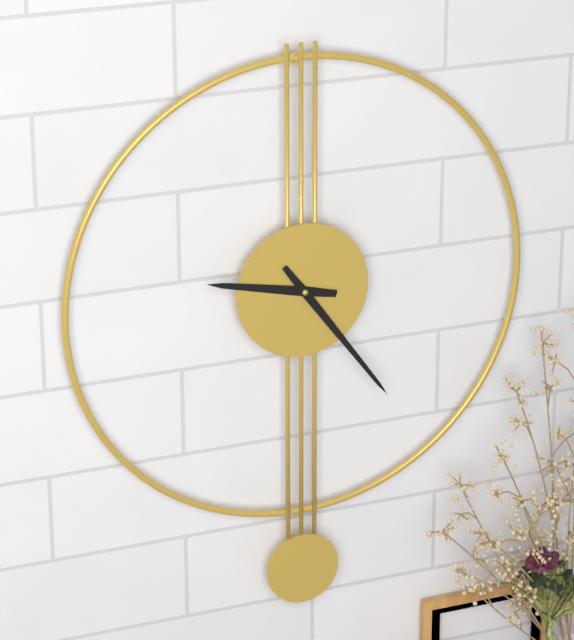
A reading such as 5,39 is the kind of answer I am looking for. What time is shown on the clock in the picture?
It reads 9,24
